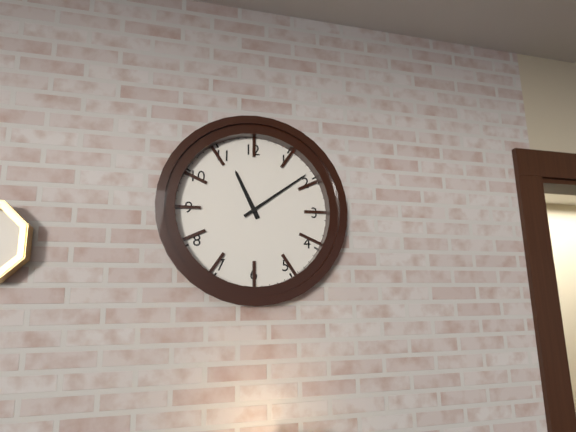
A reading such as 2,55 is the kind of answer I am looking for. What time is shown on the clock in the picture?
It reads 11,09
